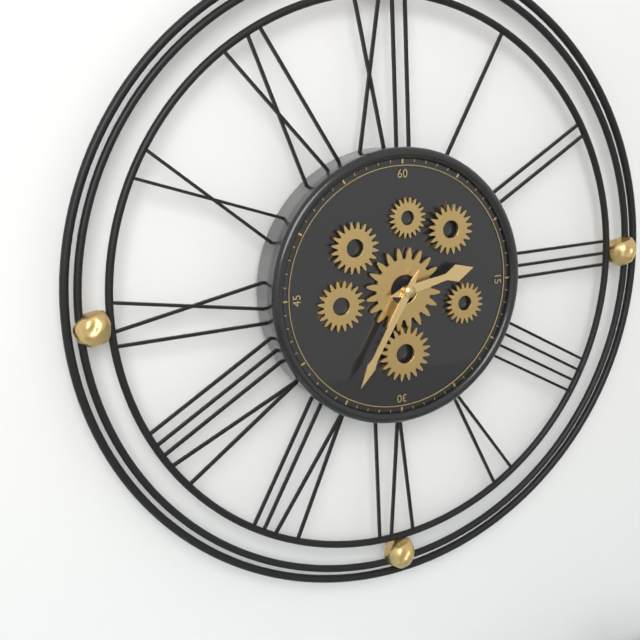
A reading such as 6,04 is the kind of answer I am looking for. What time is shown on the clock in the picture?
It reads 2,35
